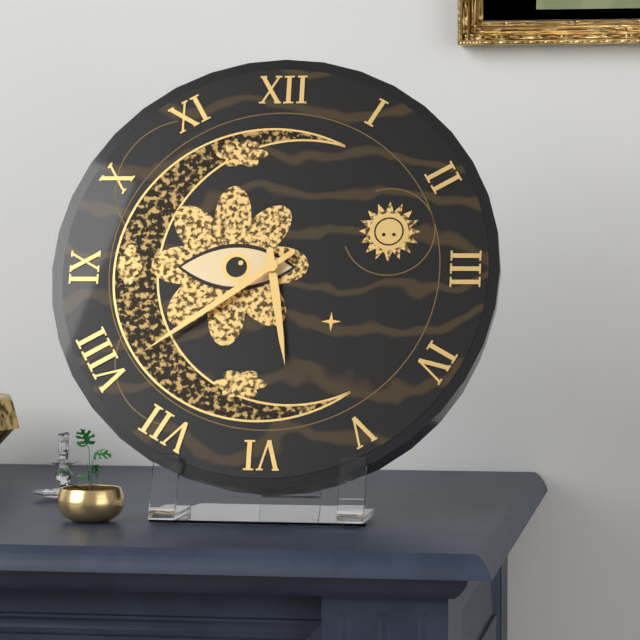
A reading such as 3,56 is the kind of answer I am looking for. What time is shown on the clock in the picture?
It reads 5,39
